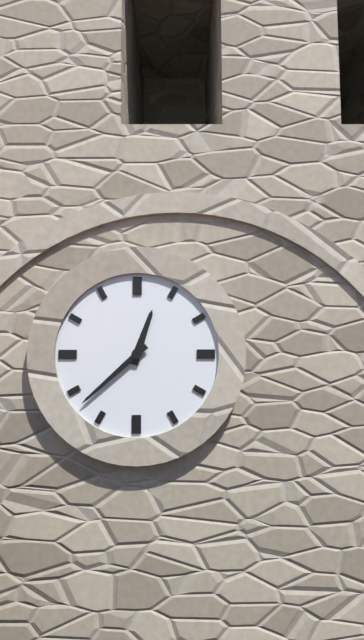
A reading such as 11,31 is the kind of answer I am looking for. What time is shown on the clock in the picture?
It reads 12,38
